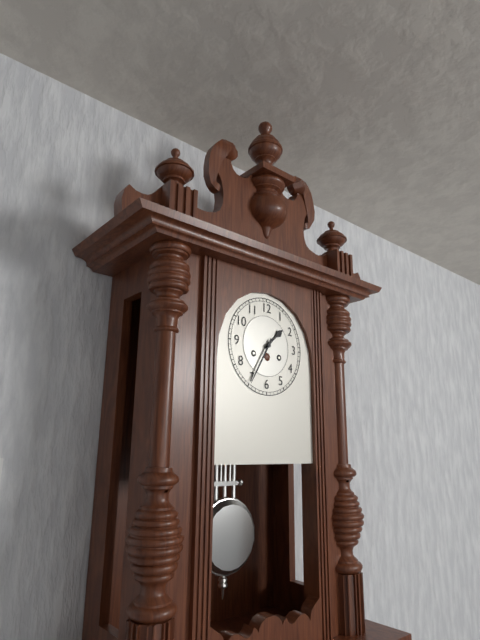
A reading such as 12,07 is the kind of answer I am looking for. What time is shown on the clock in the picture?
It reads 1,35
